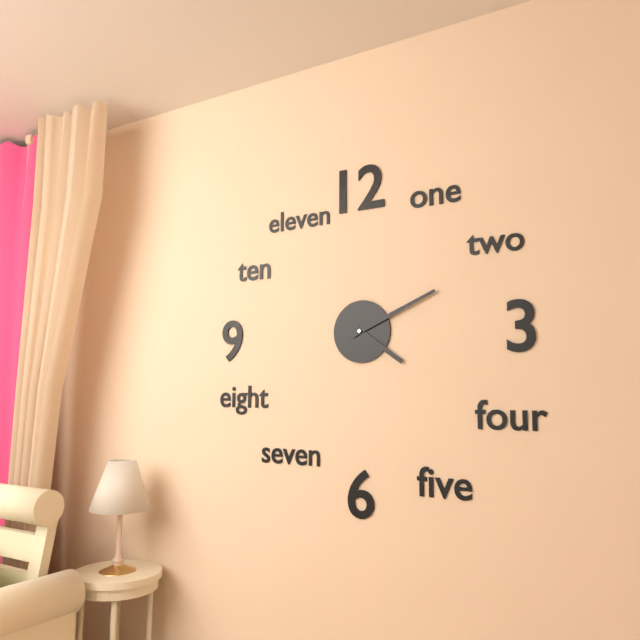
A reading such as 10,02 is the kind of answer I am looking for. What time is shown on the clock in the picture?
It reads 4,11
